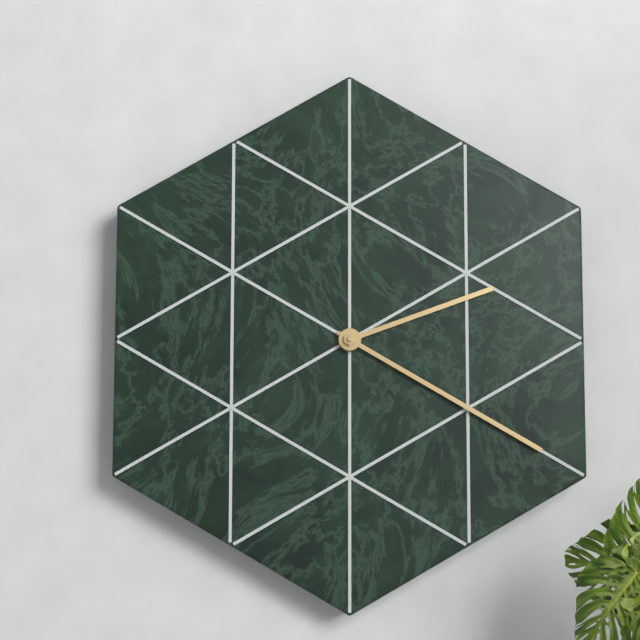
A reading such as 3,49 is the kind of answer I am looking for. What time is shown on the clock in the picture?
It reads 2,20
